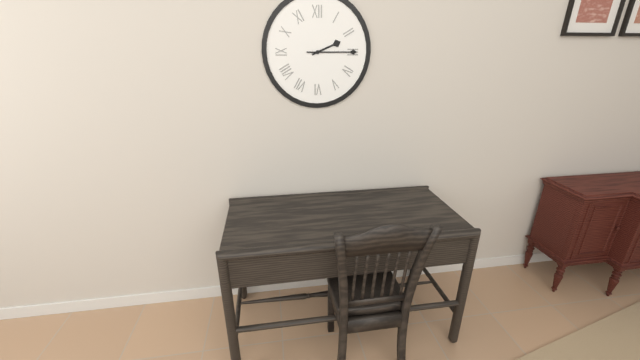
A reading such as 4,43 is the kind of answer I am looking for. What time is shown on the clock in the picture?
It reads 2,15
